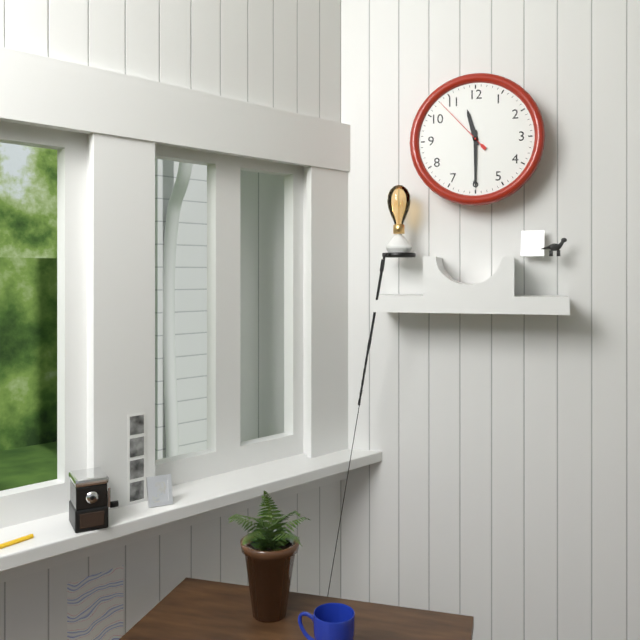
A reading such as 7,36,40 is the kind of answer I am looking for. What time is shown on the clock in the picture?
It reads 11,30,53
